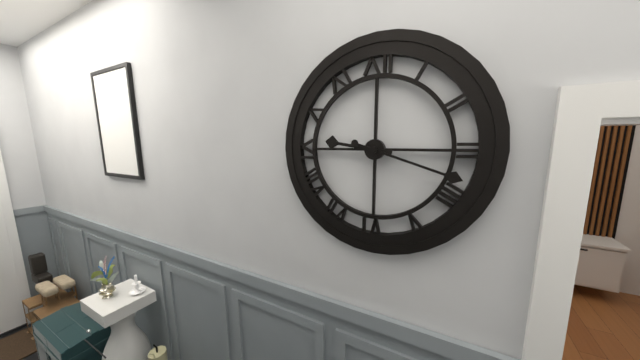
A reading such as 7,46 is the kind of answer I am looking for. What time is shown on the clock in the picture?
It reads 9,18
